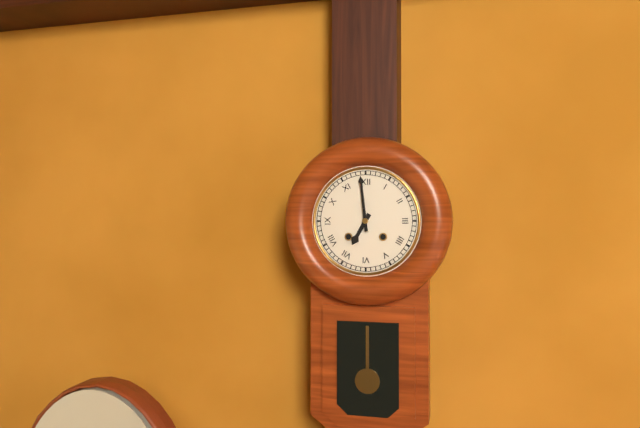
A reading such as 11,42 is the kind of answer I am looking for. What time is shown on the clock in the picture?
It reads 6,59
